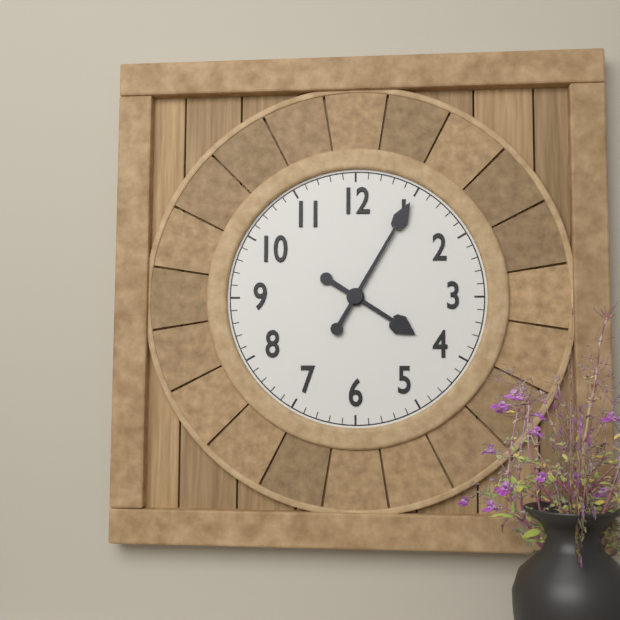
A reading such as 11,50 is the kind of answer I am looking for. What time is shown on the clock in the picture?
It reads 4,05
